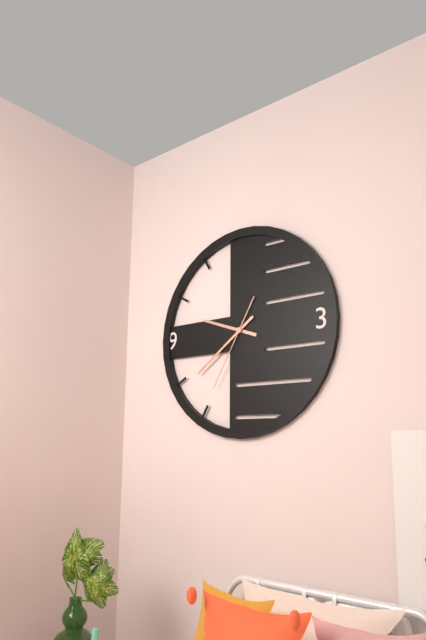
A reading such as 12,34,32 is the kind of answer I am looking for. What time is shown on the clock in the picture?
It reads 9,39,35
